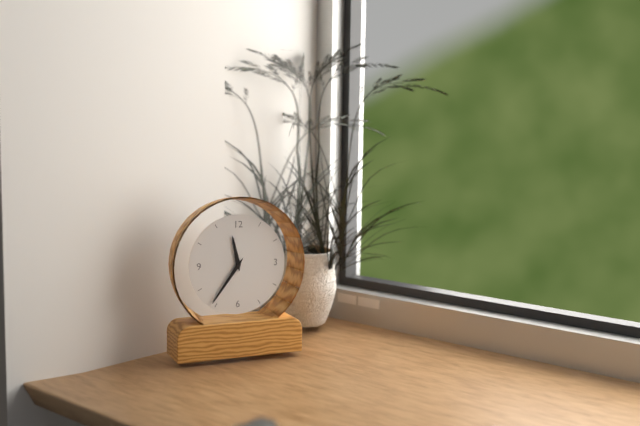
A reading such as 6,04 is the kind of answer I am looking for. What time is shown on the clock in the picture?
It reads 11,36
